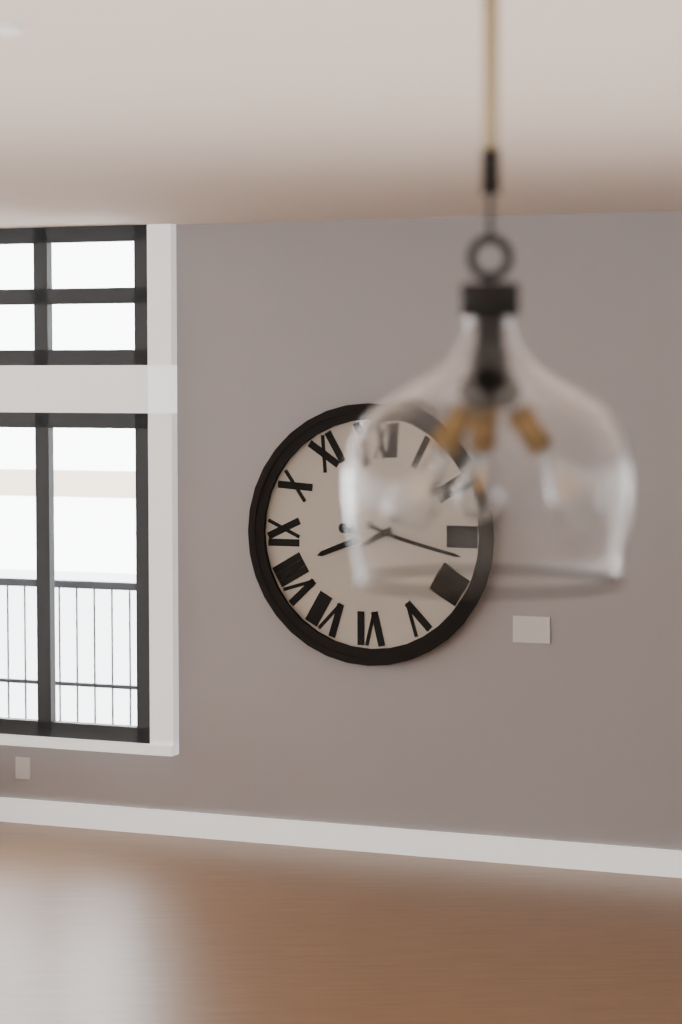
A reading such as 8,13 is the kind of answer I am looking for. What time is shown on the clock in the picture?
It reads 8,17
